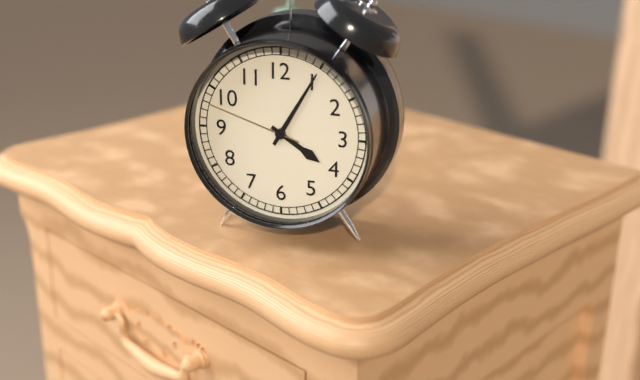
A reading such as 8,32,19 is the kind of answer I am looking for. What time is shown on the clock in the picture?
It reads 4,05,48
